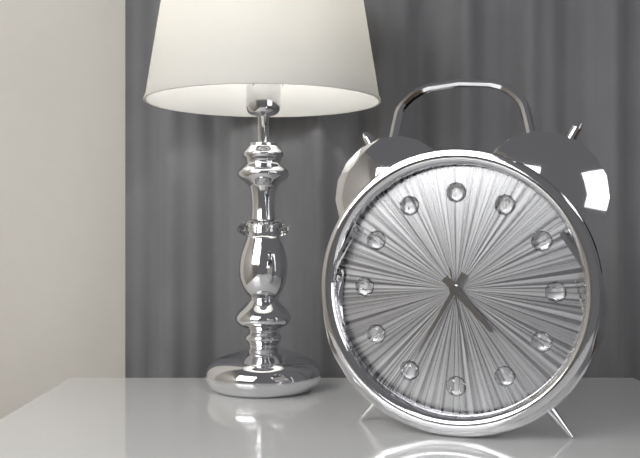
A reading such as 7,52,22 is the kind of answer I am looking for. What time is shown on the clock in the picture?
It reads 4,35,28
